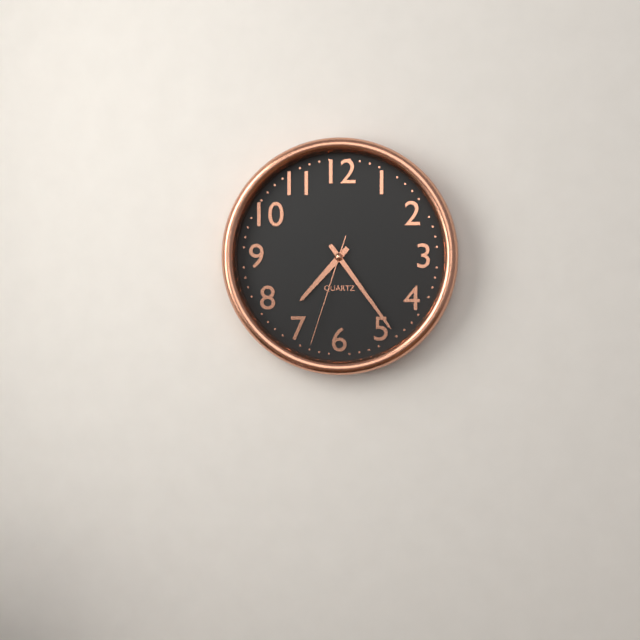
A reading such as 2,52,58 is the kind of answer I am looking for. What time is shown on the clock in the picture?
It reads 7,24,33
